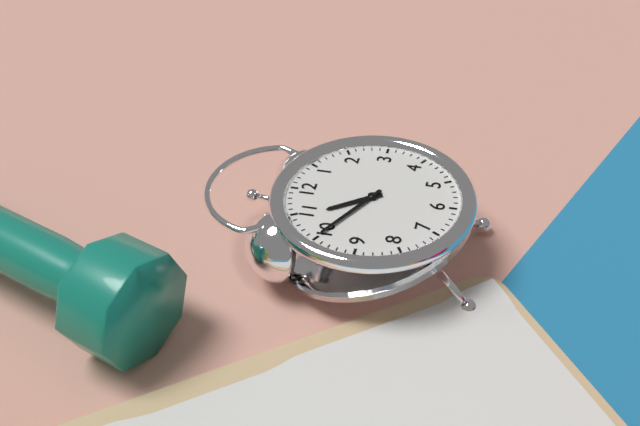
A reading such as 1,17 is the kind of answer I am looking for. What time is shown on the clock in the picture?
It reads 10,50
